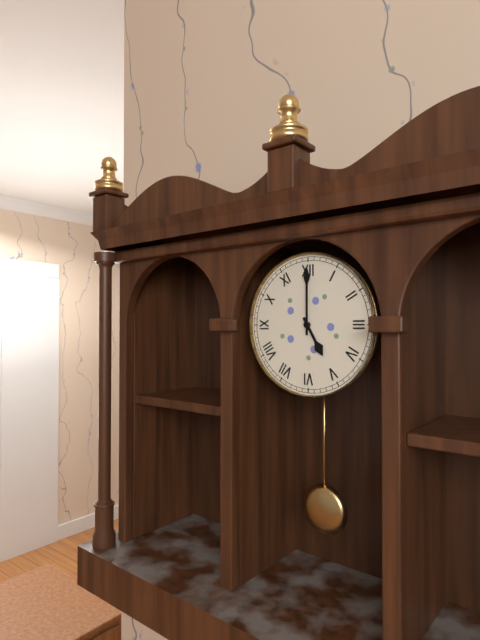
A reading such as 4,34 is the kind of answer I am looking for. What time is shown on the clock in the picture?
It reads 5,00
